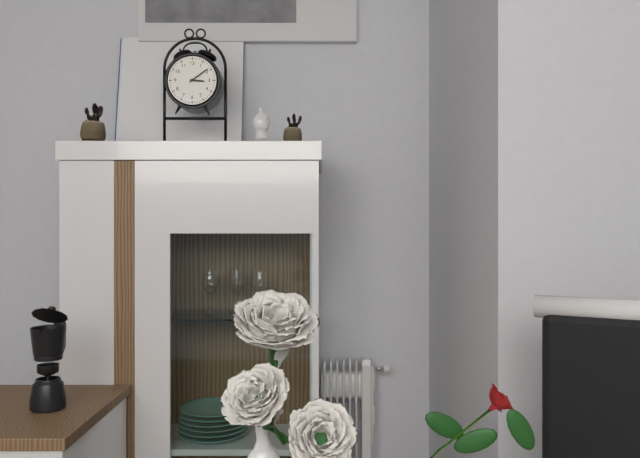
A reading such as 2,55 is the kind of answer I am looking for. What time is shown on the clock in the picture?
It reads 3,09
